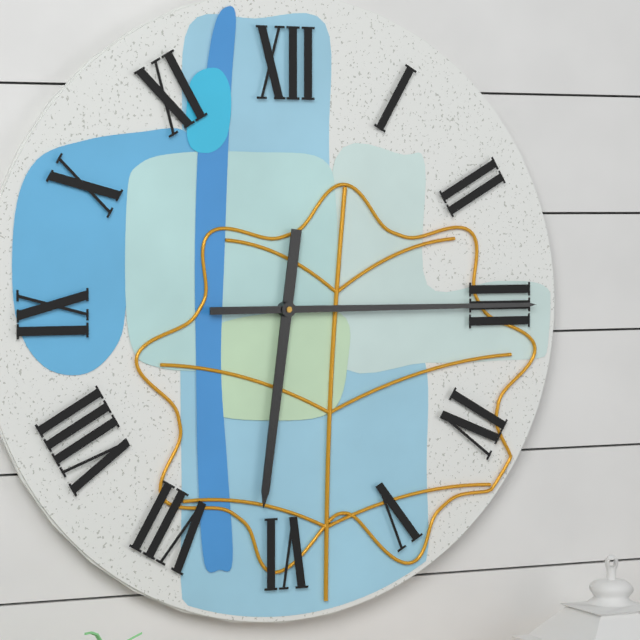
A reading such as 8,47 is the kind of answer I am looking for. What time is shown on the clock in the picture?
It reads 6,15
